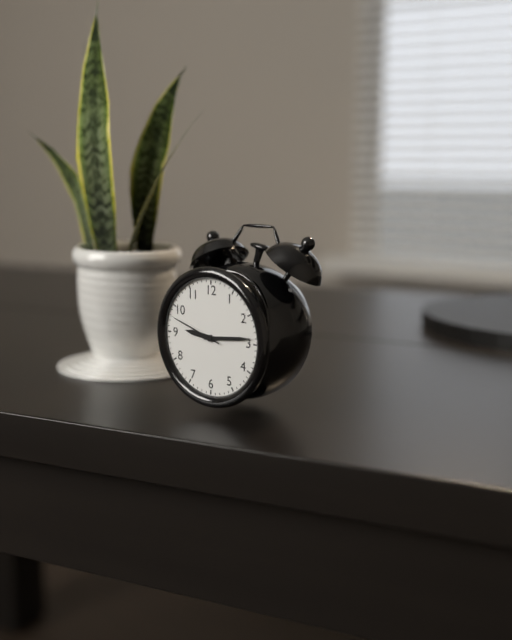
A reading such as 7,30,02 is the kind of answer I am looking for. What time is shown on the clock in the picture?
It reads 9,14,48
